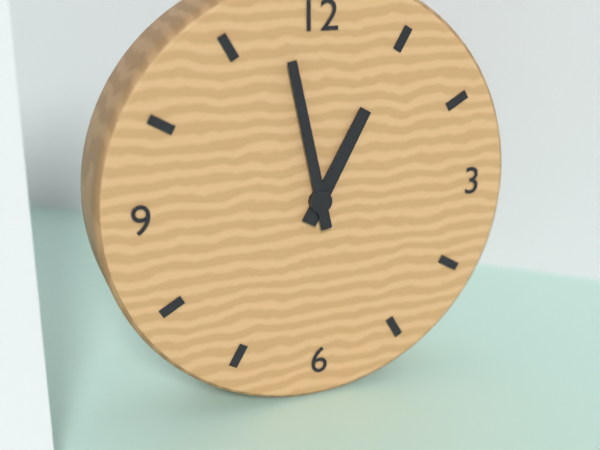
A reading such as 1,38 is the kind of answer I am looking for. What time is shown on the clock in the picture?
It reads 12,58
